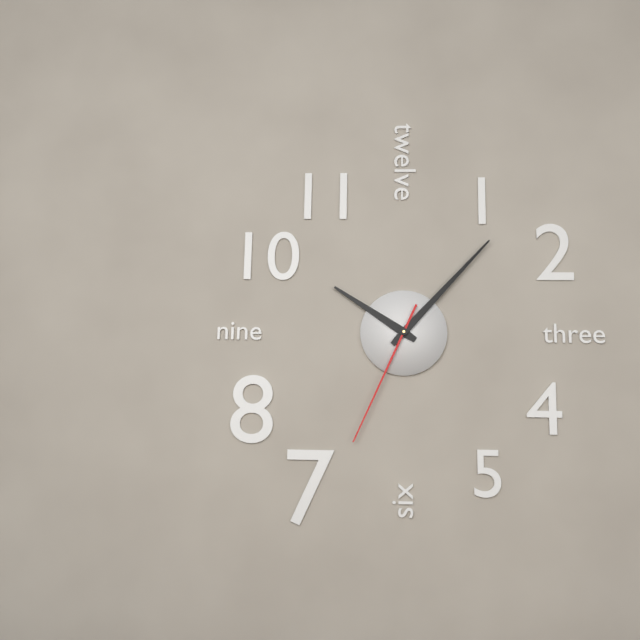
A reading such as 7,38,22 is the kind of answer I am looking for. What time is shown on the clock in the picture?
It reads 10,07,34
